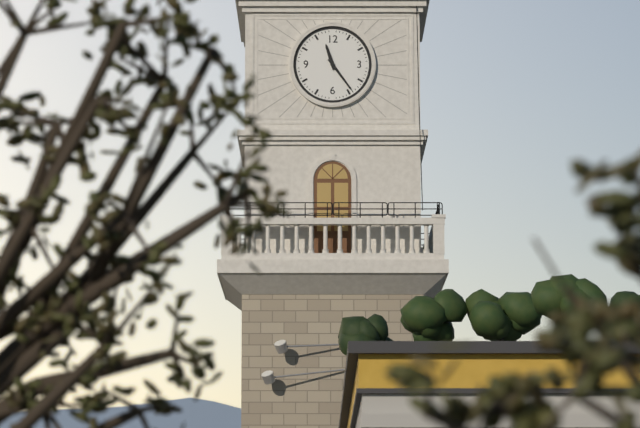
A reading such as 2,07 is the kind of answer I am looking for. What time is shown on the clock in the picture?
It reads 11,24
